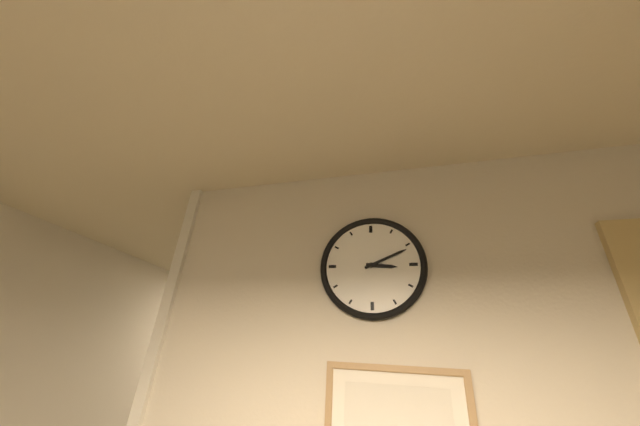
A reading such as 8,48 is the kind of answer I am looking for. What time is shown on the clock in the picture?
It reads 3,11
